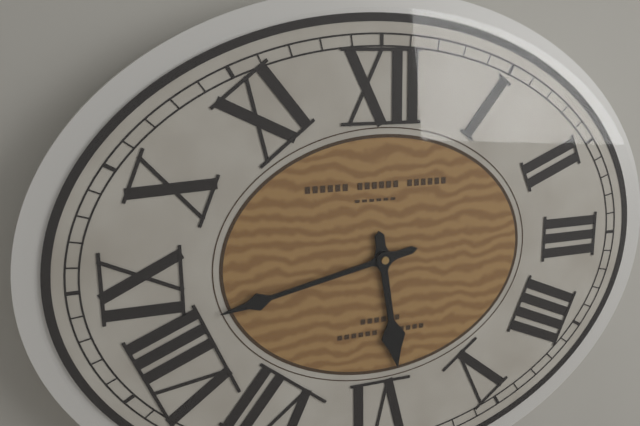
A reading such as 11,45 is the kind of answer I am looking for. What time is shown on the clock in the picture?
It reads 5,43
